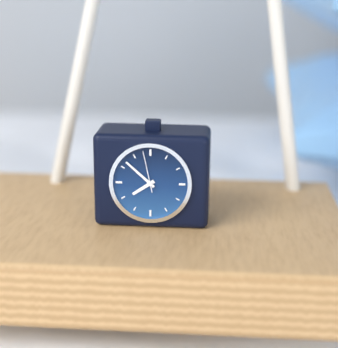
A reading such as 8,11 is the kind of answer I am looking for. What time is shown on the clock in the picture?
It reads 7,52
